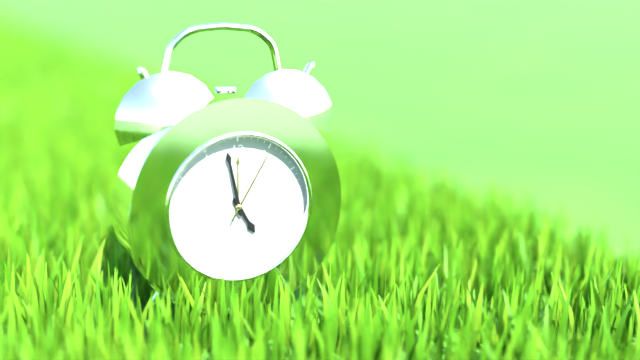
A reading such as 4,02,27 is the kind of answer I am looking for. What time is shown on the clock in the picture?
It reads 4,58,05
